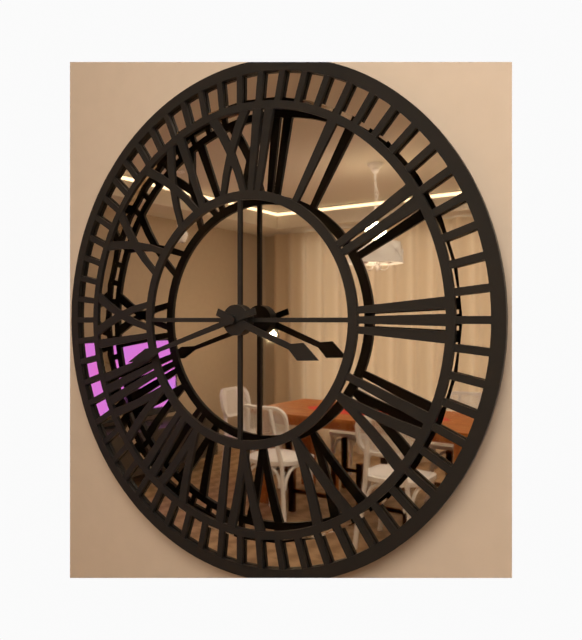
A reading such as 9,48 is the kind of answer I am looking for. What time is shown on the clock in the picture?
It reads 3,42
